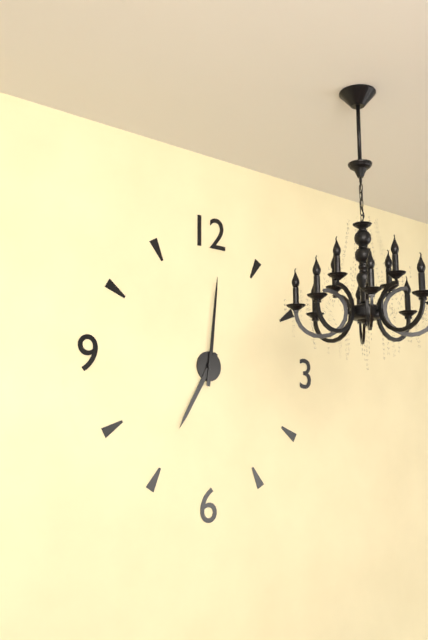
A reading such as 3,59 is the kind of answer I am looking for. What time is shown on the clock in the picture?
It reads 7,01
